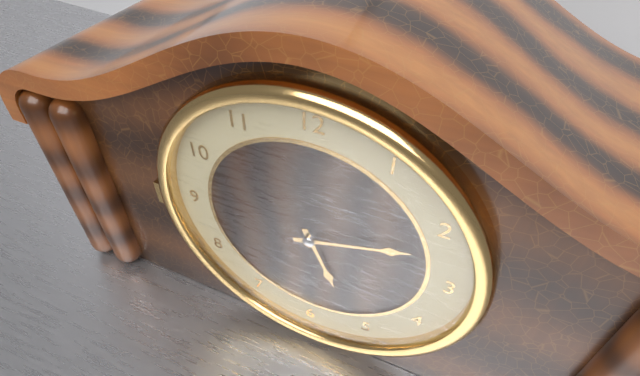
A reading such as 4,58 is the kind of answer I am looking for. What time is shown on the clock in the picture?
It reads 5,12
